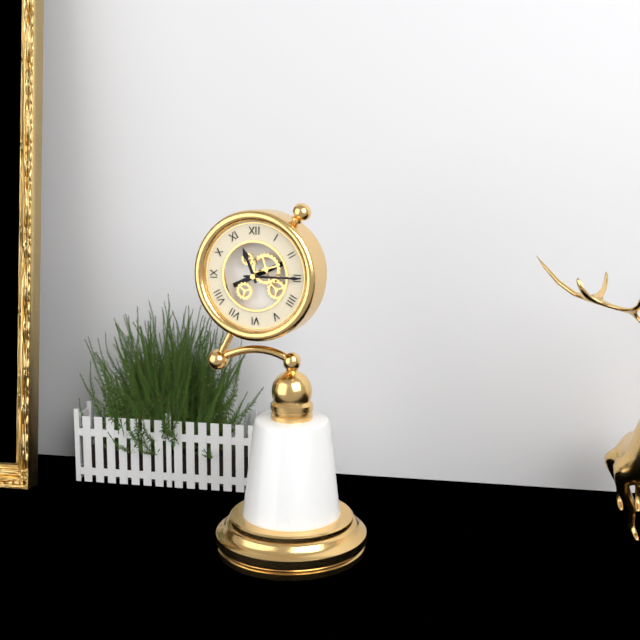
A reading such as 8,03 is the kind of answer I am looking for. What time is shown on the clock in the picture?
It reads 11,15
